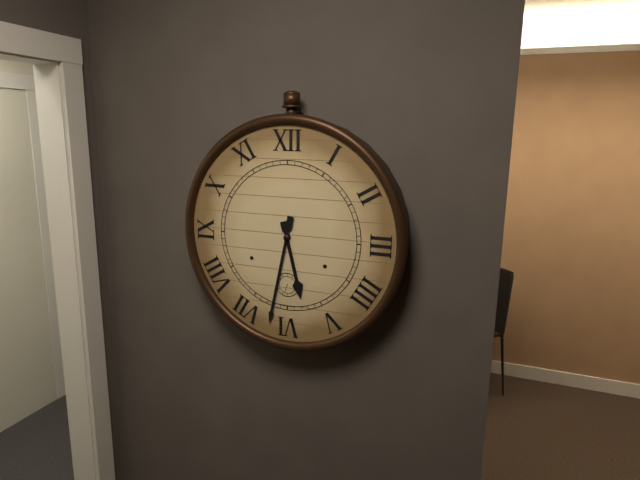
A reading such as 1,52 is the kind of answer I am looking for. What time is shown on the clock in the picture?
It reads 5,32
